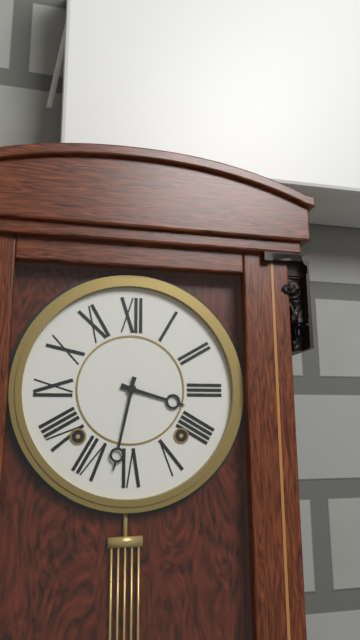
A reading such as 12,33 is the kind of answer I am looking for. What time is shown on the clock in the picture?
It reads 3,32
